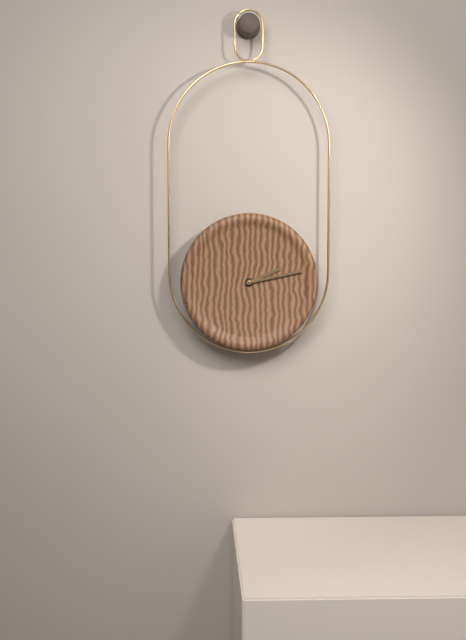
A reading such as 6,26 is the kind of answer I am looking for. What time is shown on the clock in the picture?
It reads 2,13
